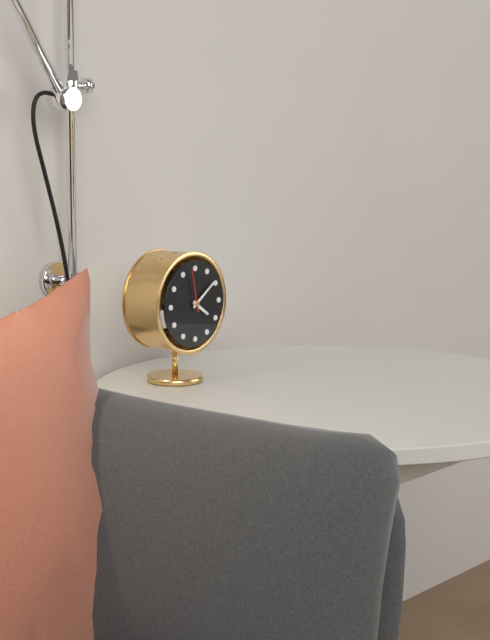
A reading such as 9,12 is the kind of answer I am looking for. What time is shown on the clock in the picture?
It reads 4,09
